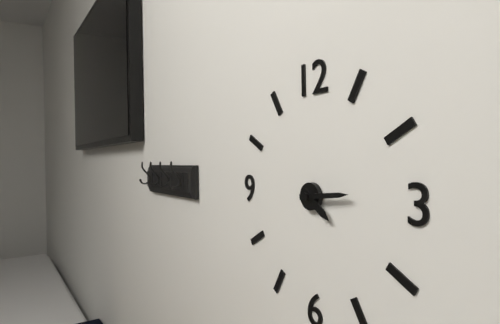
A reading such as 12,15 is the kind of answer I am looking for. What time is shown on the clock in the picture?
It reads 4,14
